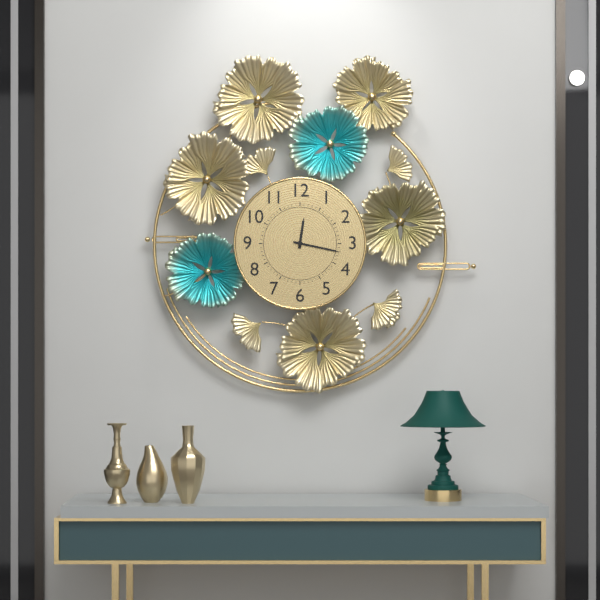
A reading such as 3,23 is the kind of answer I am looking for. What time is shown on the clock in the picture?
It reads 12,17
